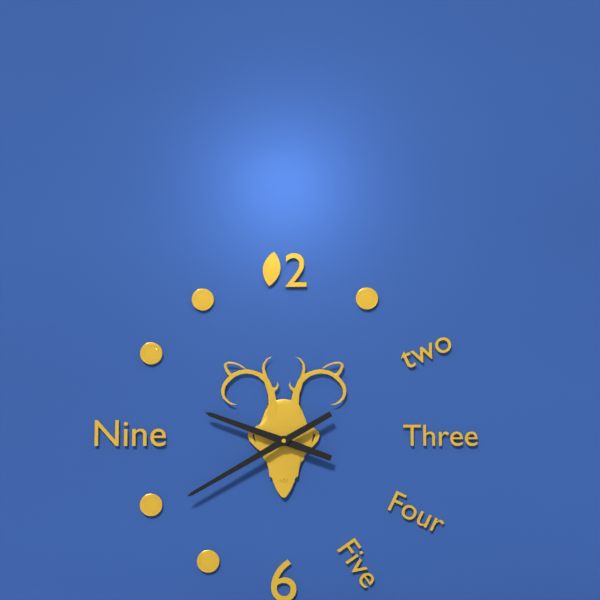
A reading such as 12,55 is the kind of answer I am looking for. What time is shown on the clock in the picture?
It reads 9,40
